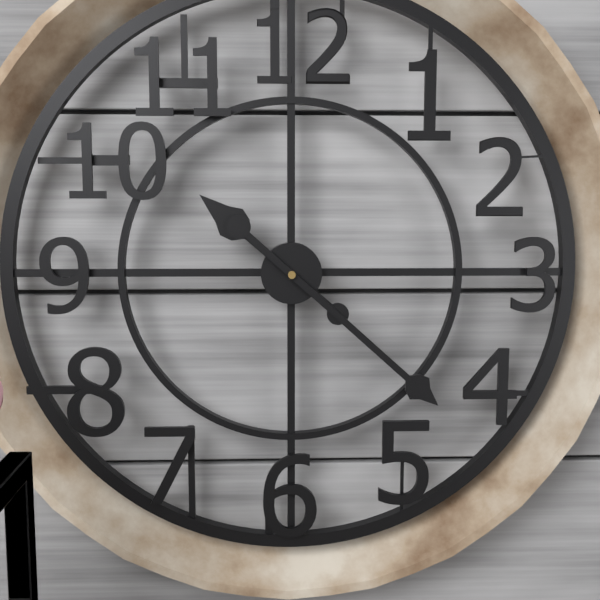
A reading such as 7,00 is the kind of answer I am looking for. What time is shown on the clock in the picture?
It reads 10,22
